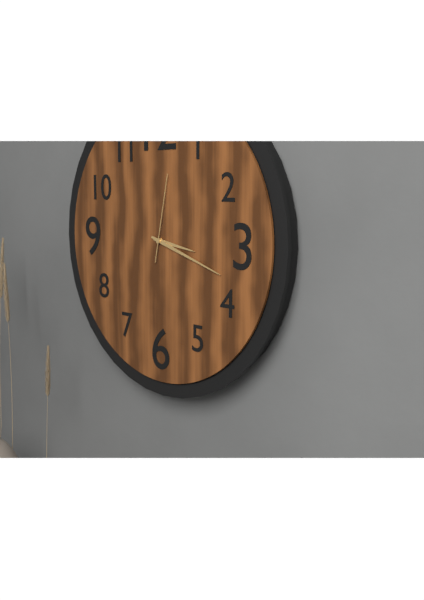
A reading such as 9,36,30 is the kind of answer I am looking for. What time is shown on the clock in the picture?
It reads 3,18,02
